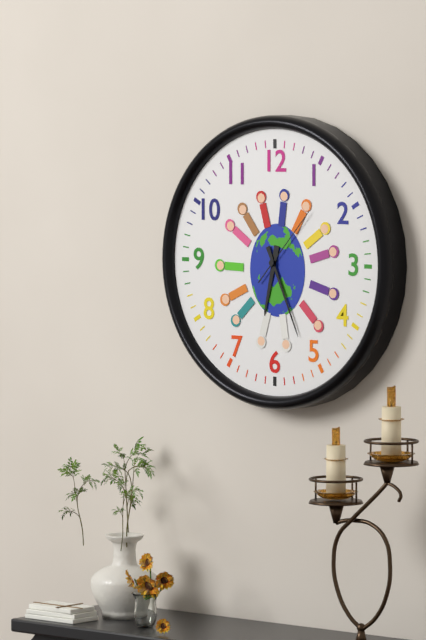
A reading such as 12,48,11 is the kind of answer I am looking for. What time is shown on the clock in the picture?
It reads 6,26,07
